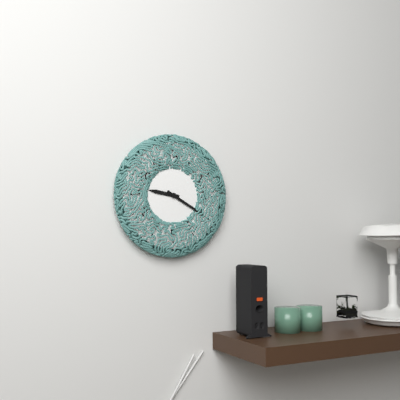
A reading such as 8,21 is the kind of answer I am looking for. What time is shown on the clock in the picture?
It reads 9,20
